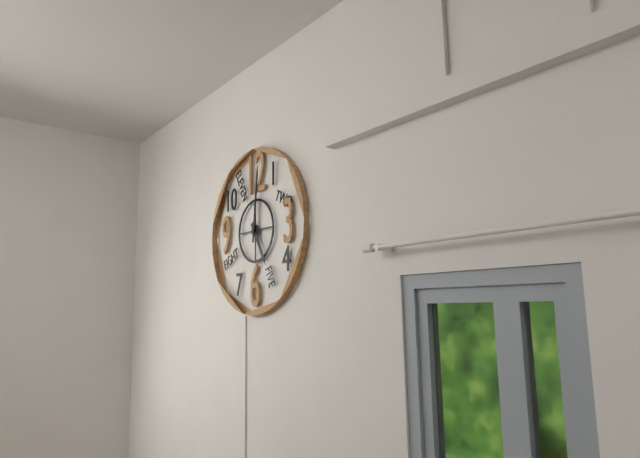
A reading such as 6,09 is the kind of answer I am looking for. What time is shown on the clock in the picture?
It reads 5,01
